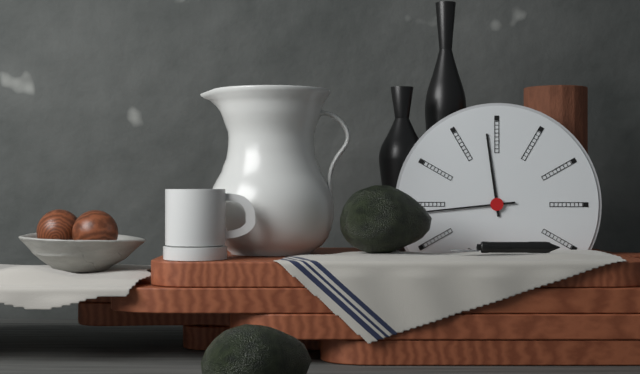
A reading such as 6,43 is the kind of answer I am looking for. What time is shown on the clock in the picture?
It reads 11,44
